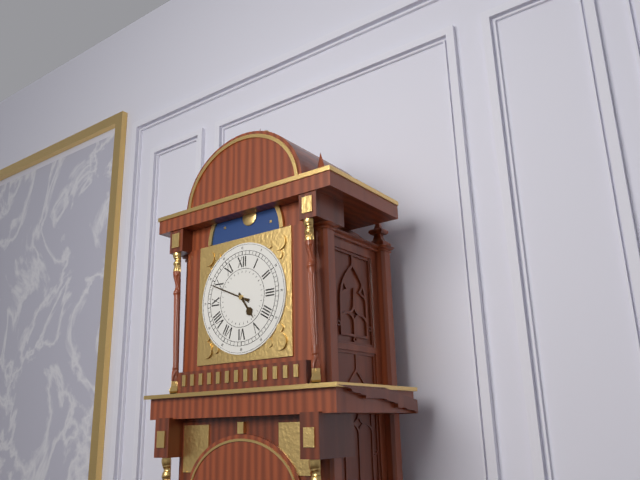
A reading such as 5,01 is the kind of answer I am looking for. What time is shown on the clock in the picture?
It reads 4,49
